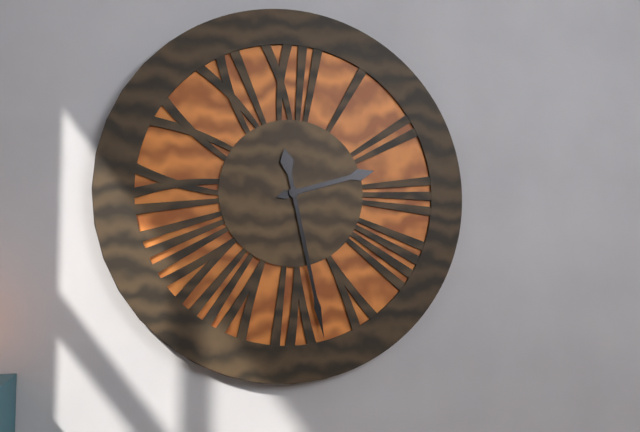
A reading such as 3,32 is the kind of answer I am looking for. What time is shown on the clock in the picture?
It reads 2,28
